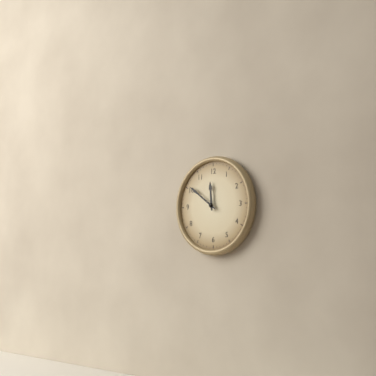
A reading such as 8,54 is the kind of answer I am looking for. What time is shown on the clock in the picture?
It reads 11,51
